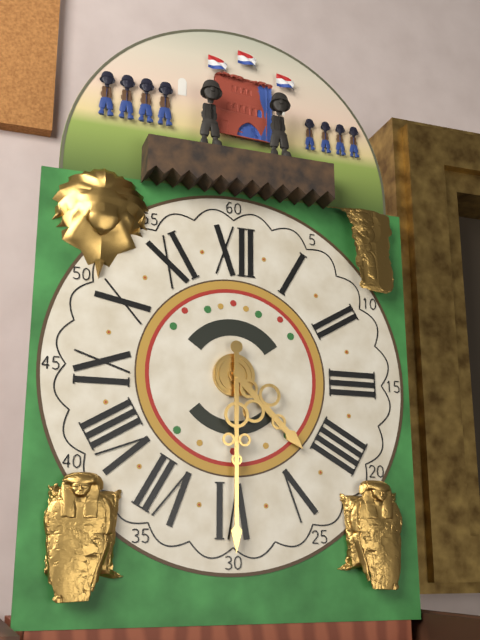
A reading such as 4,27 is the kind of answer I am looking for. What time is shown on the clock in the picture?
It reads 4,30
